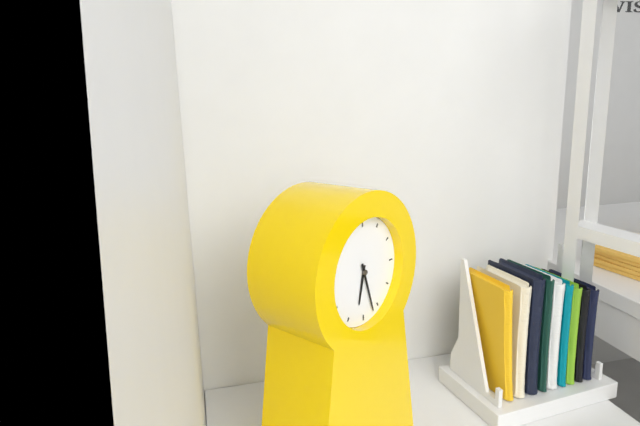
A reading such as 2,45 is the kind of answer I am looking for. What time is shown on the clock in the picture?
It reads 6,27
